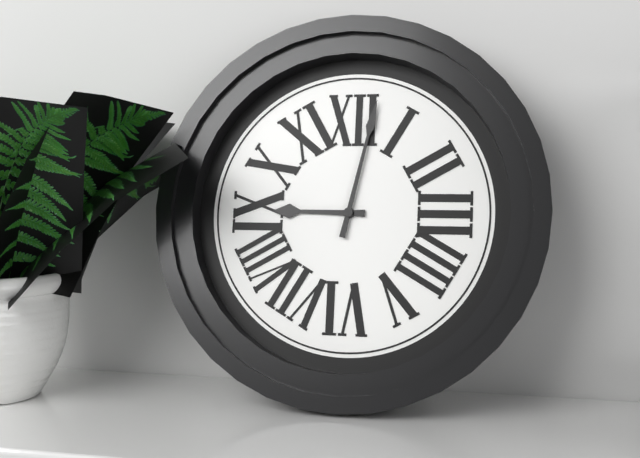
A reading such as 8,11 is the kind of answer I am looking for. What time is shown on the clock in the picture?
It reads 9,02
